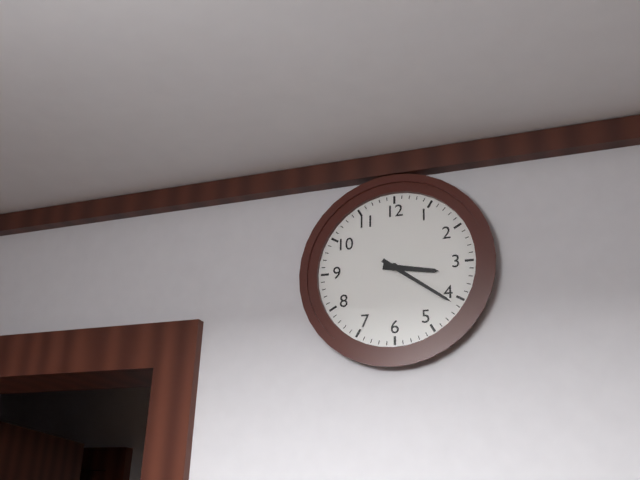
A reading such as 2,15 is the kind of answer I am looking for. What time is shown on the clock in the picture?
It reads 3,21
